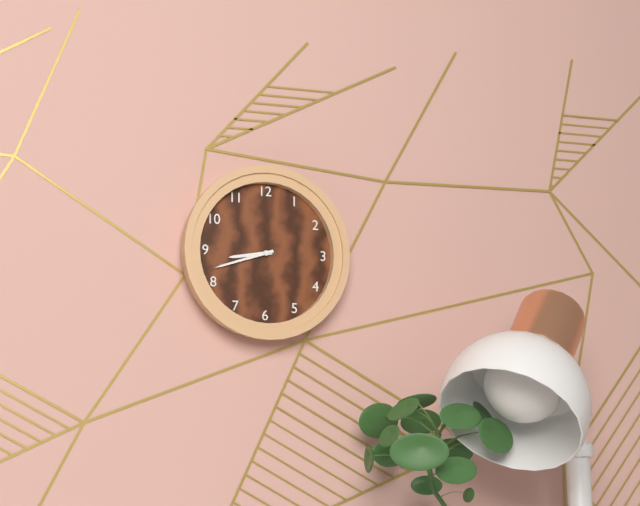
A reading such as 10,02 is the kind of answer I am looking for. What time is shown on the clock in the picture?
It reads 8,42
